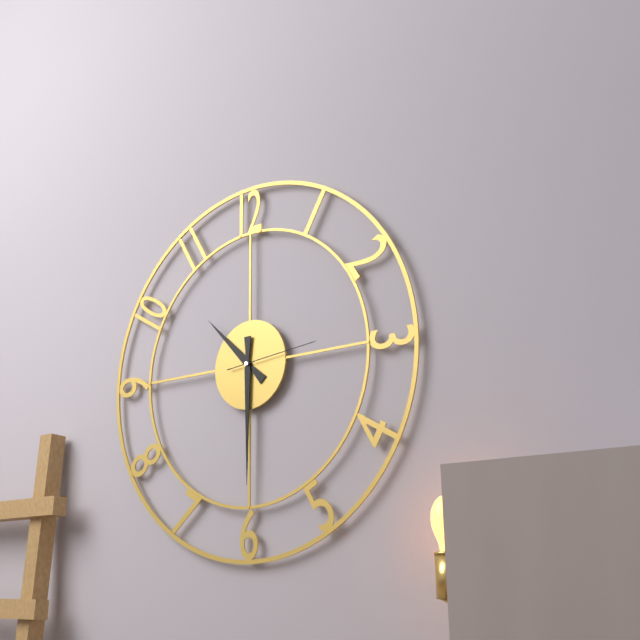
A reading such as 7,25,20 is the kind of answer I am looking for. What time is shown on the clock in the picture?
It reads 10,30,14
